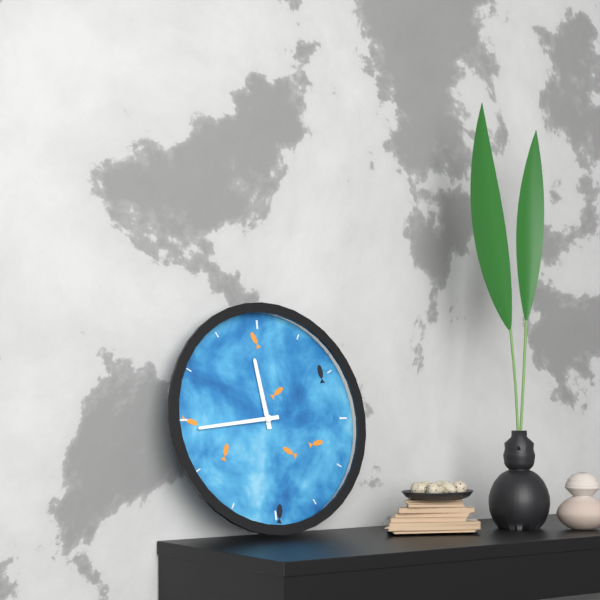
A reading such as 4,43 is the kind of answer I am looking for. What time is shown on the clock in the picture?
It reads 11,44
